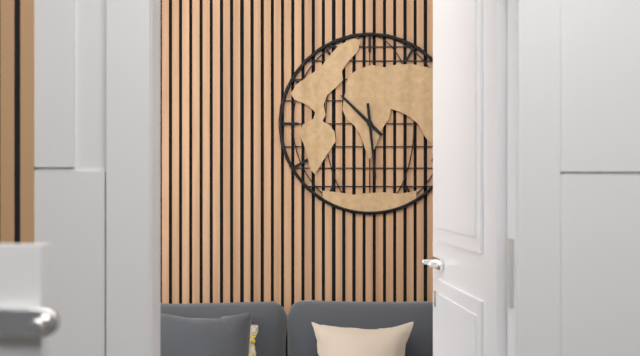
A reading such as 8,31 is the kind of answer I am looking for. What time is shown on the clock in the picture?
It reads 10,29
